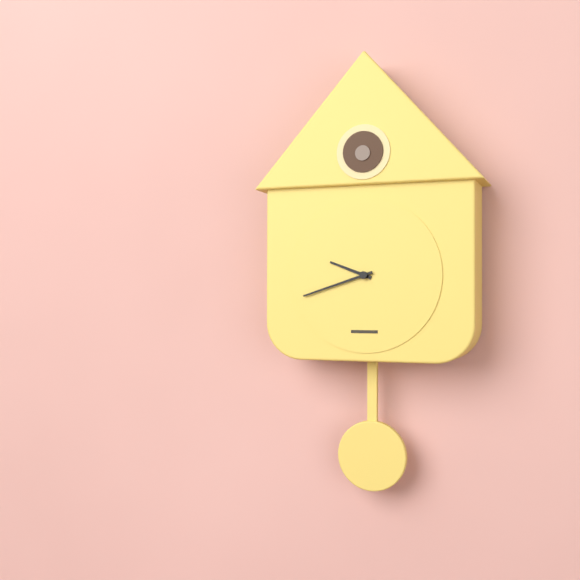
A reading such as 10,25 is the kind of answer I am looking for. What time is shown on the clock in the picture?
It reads 9,42
